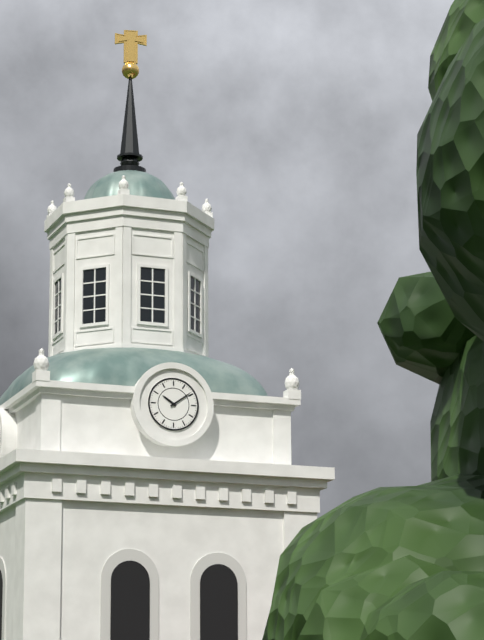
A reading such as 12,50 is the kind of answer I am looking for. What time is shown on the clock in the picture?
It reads 10,09
